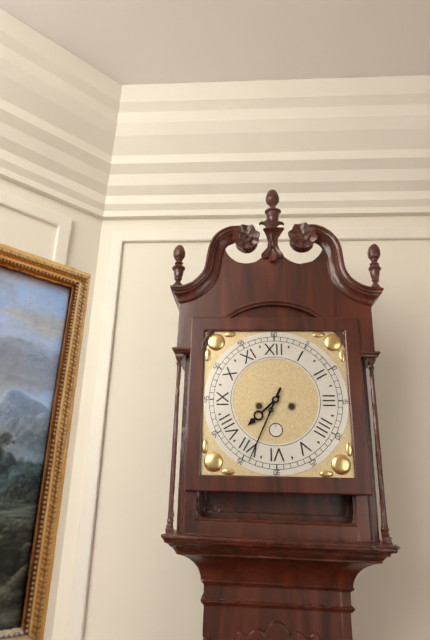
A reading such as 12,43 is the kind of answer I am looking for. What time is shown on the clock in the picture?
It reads 7,34
